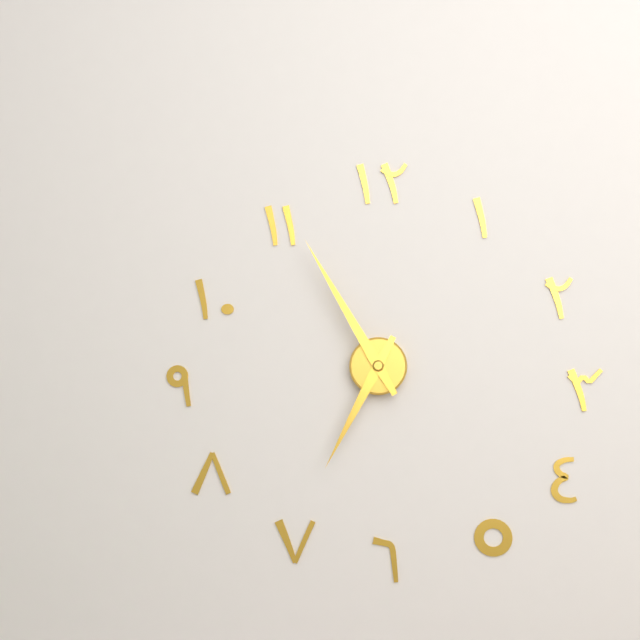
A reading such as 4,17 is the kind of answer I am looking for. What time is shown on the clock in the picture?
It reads 6,55
